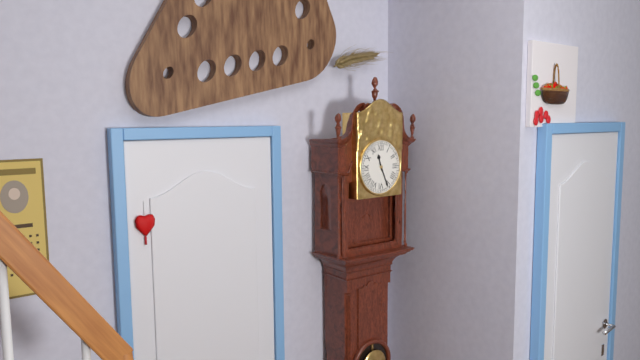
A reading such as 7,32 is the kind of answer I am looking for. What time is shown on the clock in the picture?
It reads 11,26
